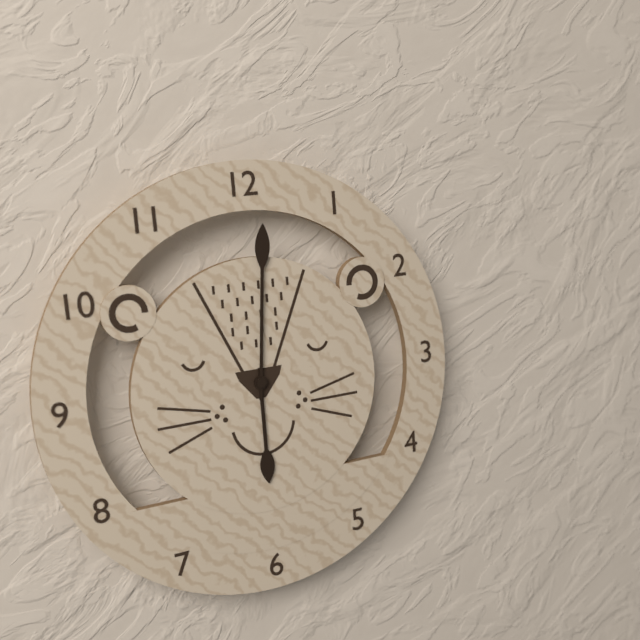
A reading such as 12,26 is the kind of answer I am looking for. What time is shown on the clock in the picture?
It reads 6,01
